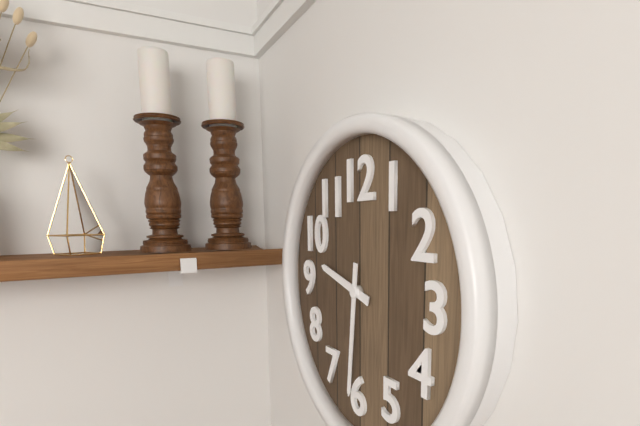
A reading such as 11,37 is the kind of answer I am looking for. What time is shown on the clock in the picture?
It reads 9,31
